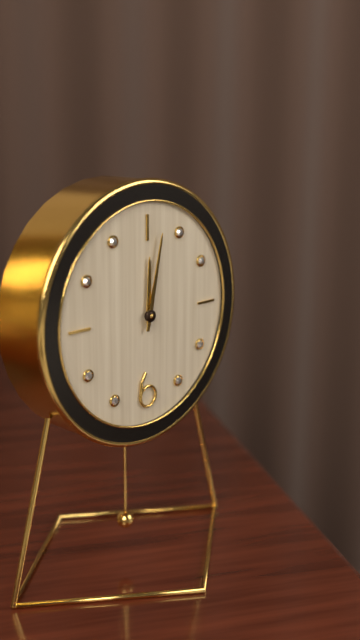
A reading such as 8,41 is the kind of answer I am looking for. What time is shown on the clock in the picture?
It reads 12,02
